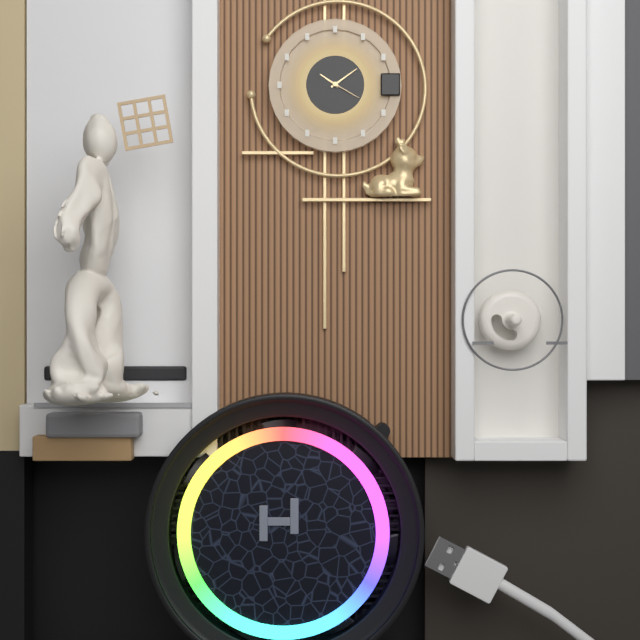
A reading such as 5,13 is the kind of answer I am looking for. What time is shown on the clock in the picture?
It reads 10,09
